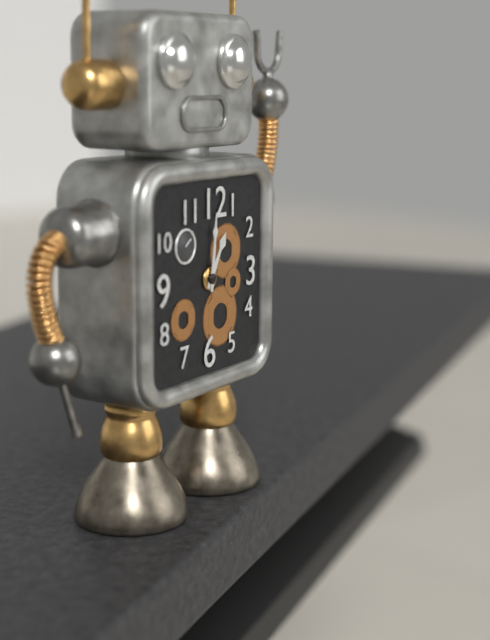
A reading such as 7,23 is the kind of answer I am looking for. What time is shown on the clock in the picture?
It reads 1,01
